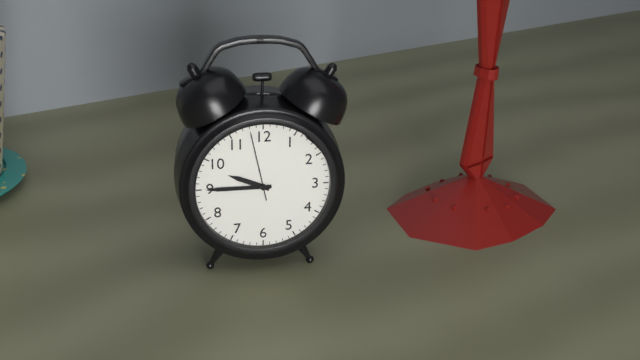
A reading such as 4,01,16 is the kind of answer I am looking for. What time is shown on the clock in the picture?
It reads 9,45,58
